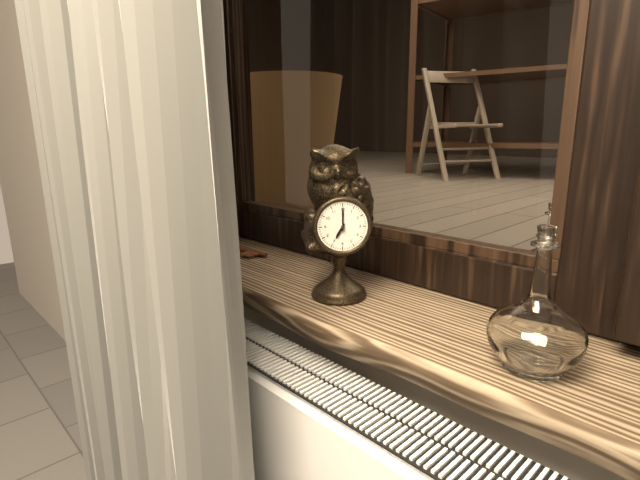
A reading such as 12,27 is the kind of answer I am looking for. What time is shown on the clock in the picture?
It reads 7,00
